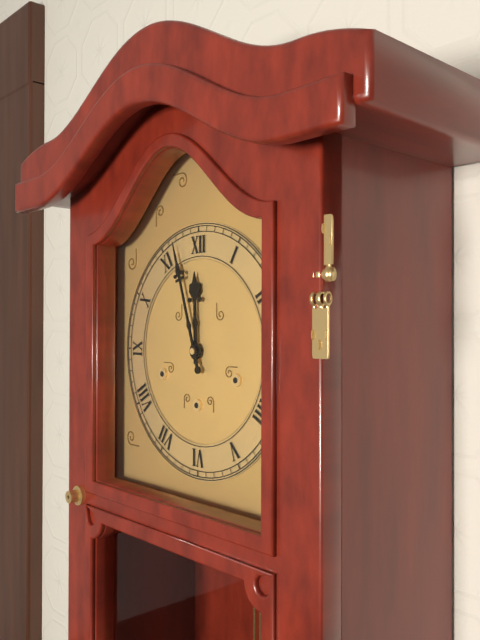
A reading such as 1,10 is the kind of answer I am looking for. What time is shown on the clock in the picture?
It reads 11,57
